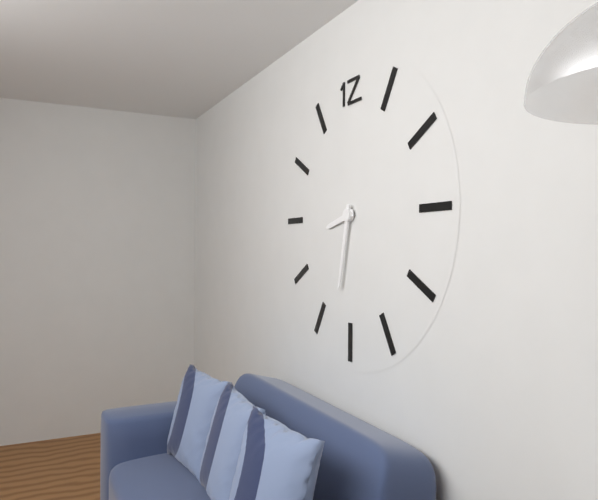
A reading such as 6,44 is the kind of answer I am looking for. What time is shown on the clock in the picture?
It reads 8,32
